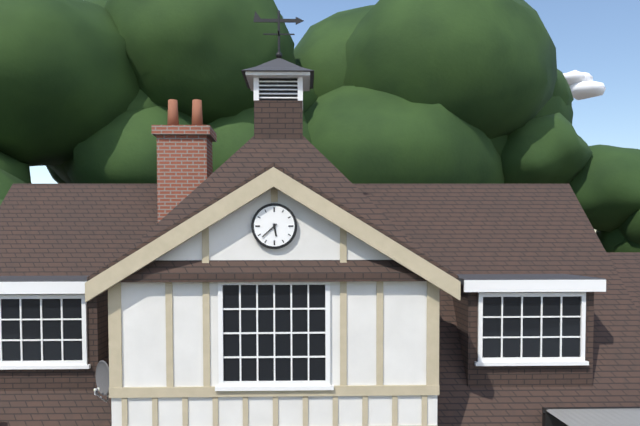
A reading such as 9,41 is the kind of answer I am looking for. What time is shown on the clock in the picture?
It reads 5,38
